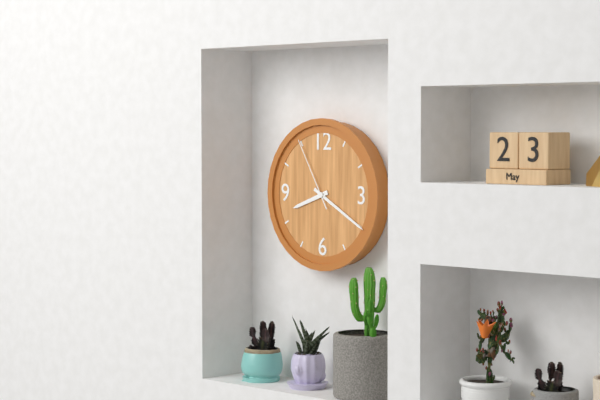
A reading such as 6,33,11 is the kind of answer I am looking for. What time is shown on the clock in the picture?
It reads 8,20,55
